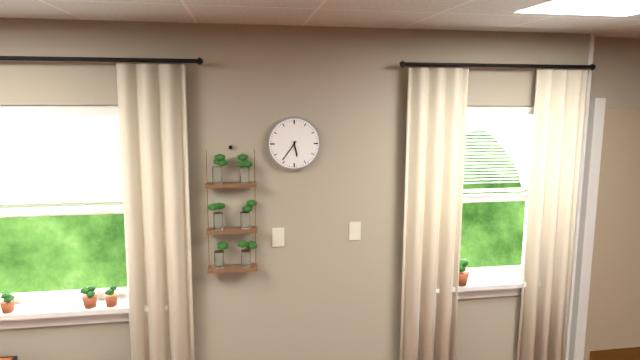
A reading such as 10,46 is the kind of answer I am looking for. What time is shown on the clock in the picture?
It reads 5,36
